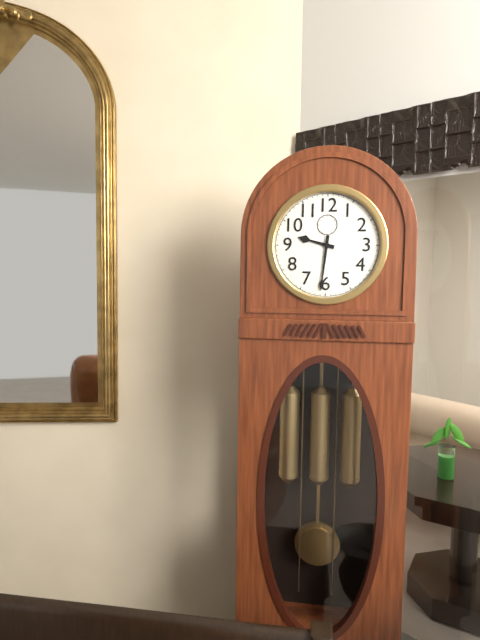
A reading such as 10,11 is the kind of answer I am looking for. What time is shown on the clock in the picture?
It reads 9,31
